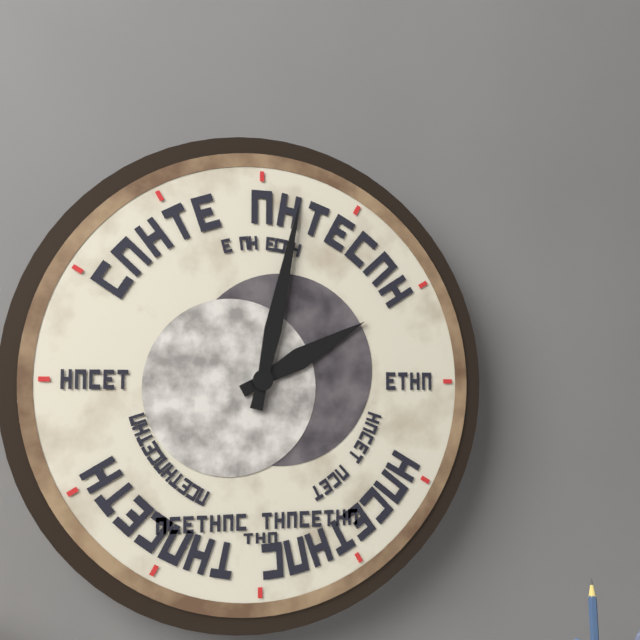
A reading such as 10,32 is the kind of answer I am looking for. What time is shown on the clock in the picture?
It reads 2,02
